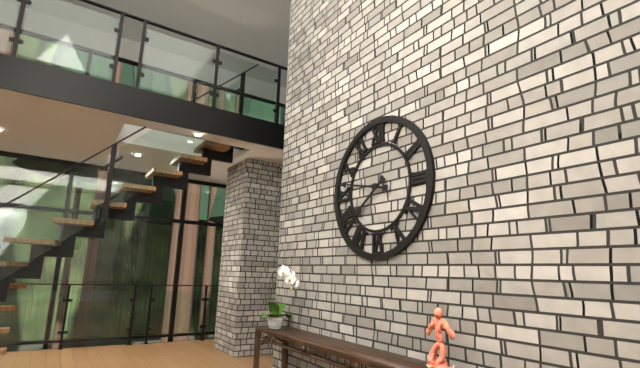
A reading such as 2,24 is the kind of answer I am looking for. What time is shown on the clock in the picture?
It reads 7,47
